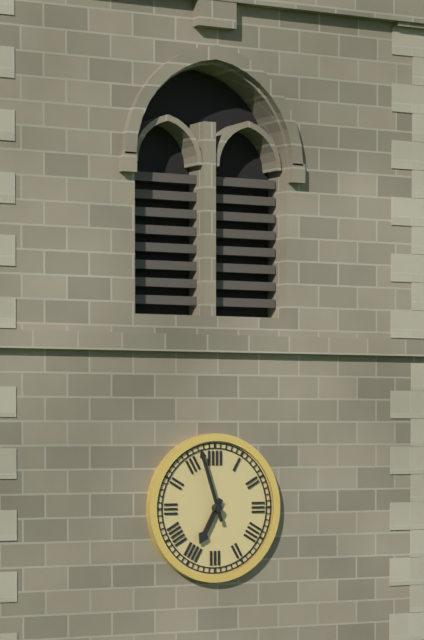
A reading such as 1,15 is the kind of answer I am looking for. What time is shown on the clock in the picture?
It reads 6,57
